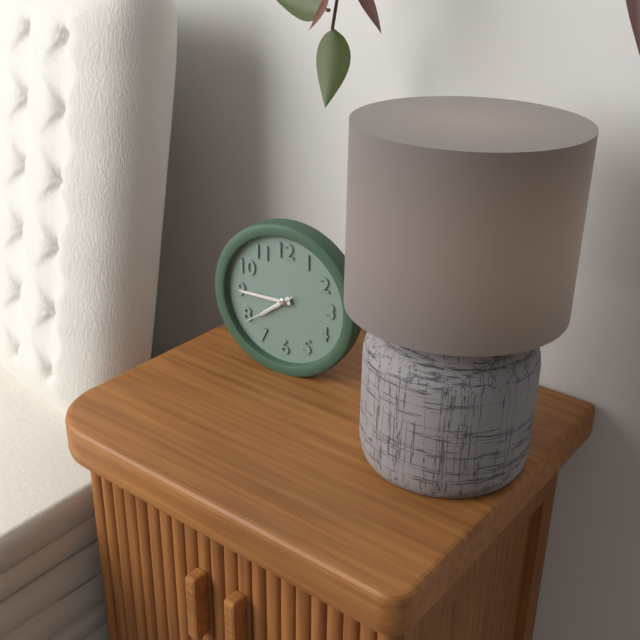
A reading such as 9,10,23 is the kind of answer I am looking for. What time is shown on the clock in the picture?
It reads 7,45,39
